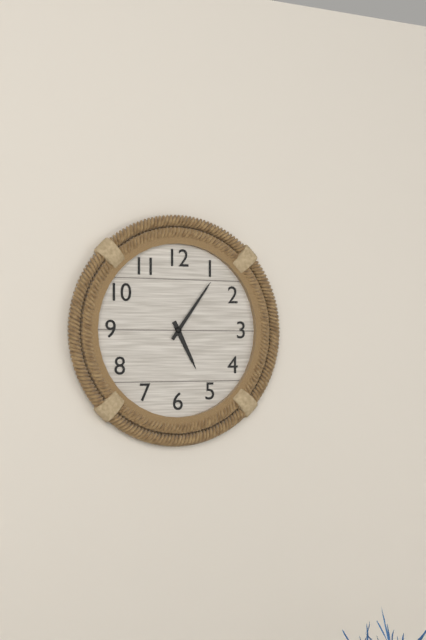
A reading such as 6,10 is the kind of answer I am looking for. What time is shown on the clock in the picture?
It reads 5,06
